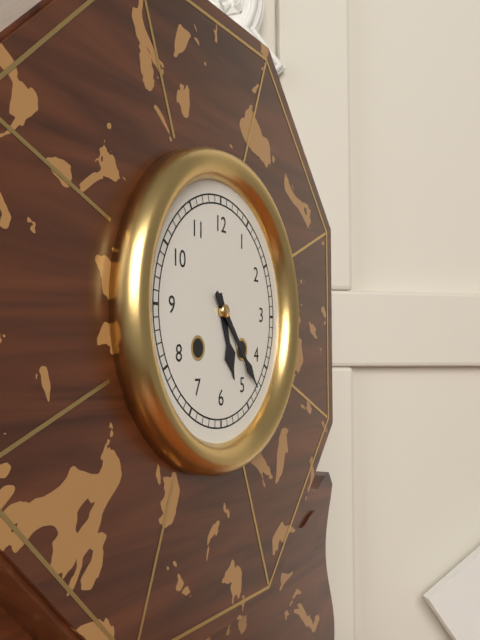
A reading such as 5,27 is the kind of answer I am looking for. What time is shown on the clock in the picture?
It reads 5,23
